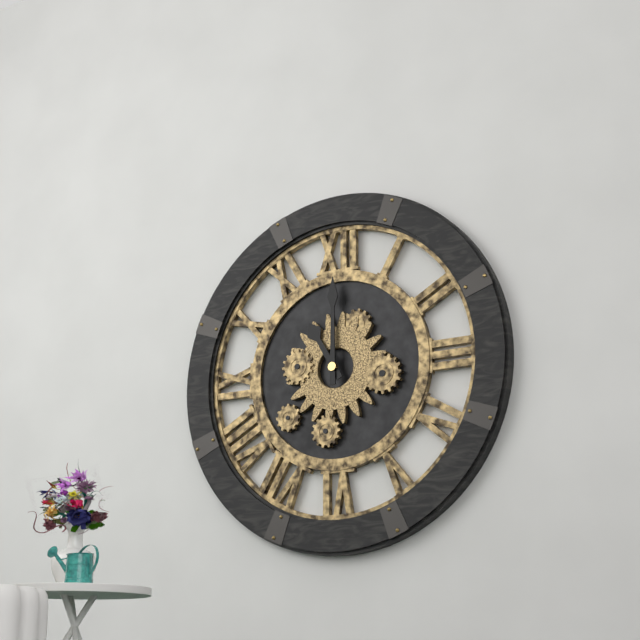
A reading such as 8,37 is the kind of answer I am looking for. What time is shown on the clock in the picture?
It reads 11,00
